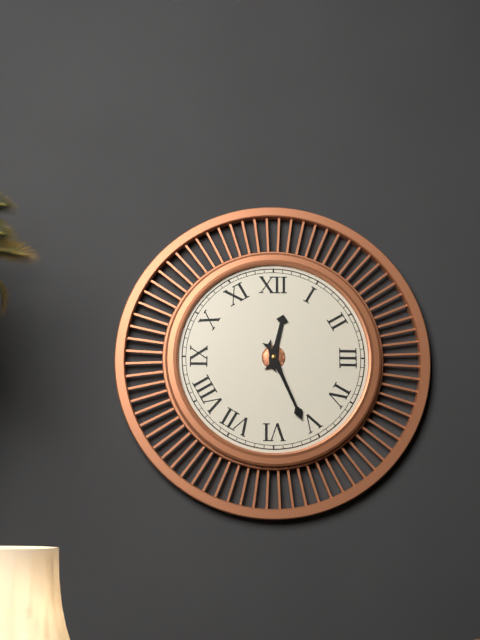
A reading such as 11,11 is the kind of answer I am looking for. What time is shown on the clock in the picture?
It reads 12,26
